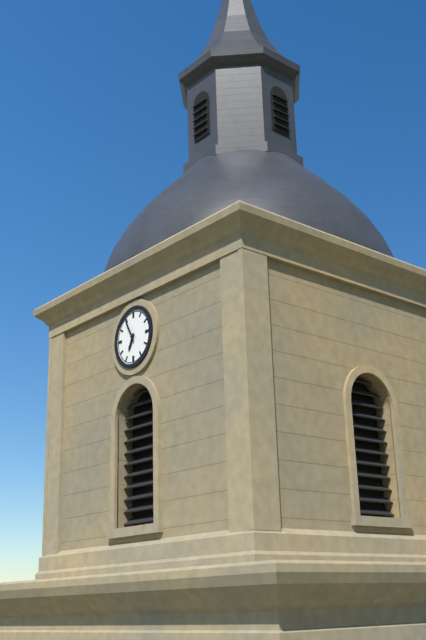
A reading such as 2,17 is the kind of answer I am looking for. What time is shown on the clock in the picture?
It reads 6,55
